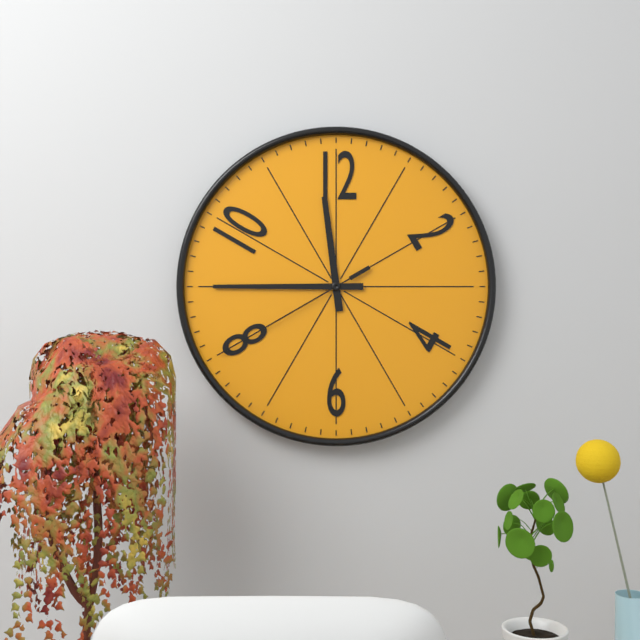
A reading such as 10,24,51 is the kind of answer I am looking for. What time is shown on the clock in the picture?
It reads 11,45,40
